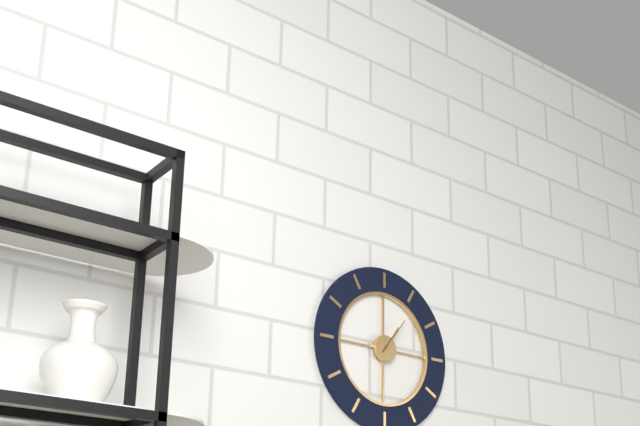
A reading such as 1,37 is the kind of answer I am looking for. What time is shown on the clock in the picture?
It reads 1,06
